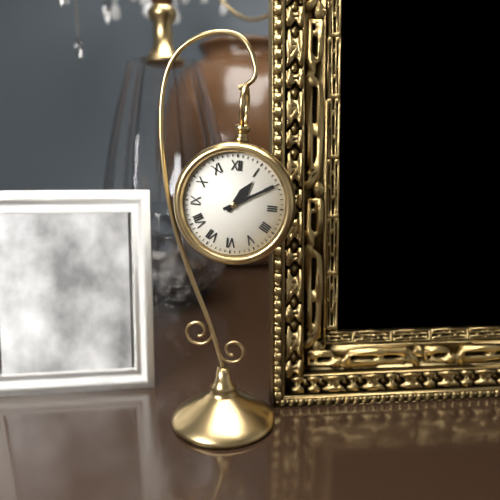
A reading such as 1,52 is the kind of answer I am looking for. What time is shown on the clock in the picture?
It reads 1,10
